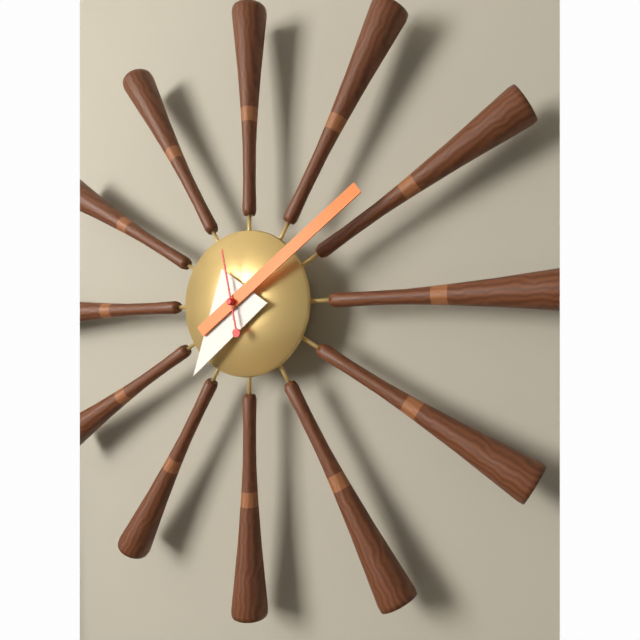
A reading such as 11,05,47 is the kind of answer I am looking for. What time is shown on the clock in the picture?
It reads 7,09,58
